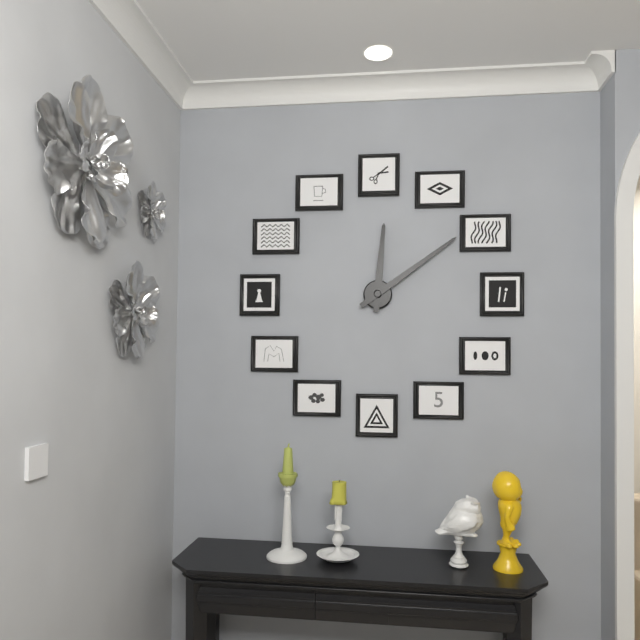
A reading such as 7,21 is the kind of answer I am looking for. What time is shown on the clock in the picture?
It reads 12,09
